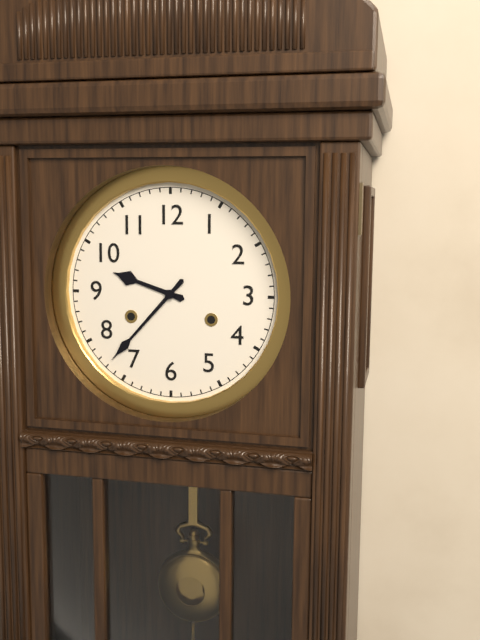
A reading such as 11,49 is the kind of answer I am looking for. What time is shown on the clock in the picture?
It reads 9,37
